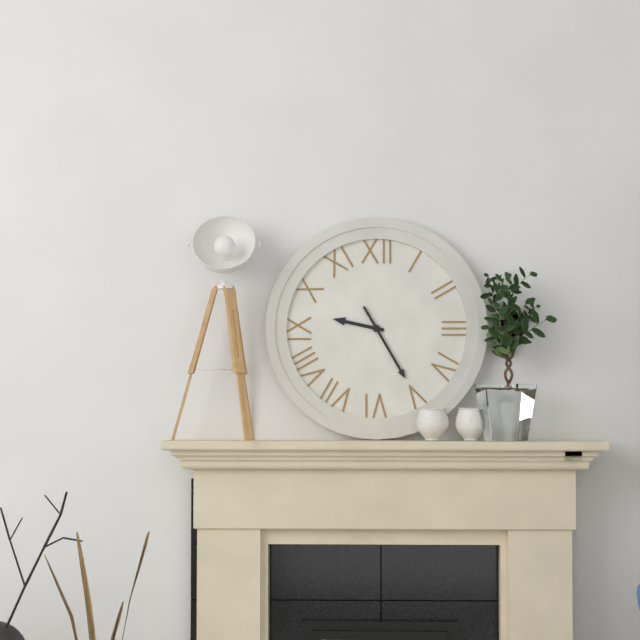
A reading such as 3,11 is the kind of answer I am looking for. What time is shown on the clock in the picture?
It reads 9,25
